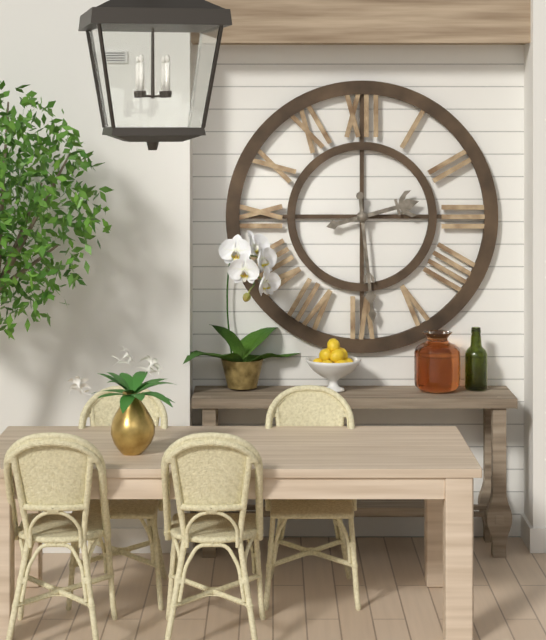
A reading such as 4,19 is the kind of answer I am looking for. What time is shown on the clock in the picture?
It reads 2,29
